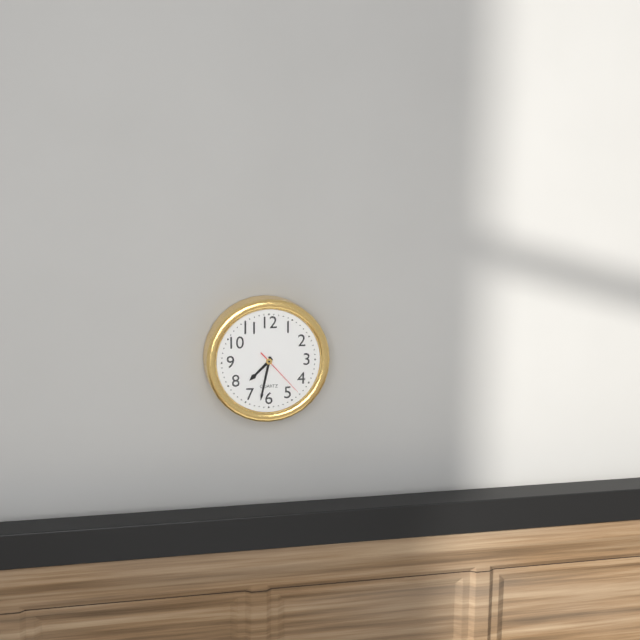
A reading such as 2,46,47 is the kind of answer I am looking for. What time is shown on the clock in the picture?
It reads 7,32,23
